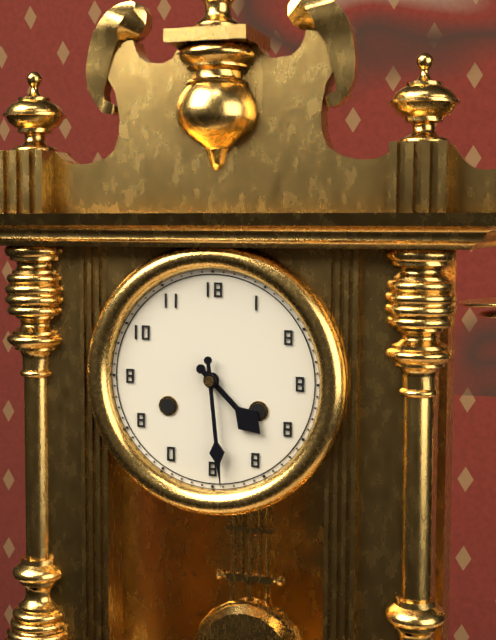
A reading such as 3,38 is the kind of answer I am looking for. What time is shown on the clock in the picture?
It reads 4,29
